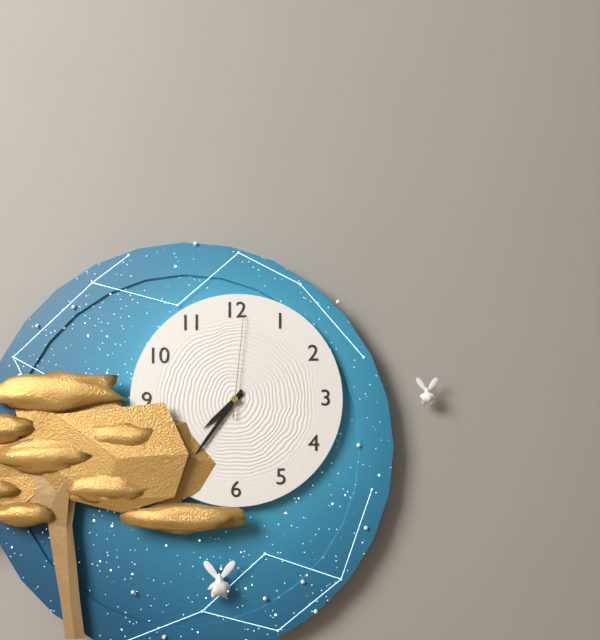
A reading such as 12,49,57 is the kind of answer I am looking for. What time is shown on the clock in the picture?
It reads 7,36,01
